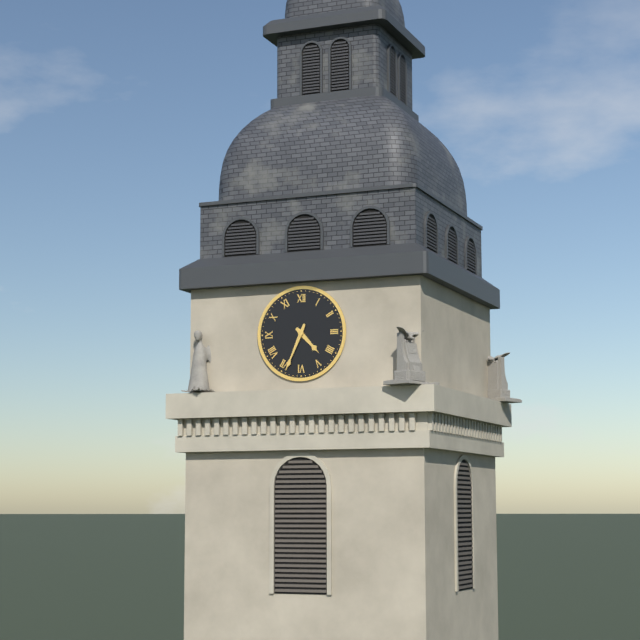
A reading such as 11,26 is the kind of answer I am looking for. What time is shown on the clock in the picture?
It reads 4,34
